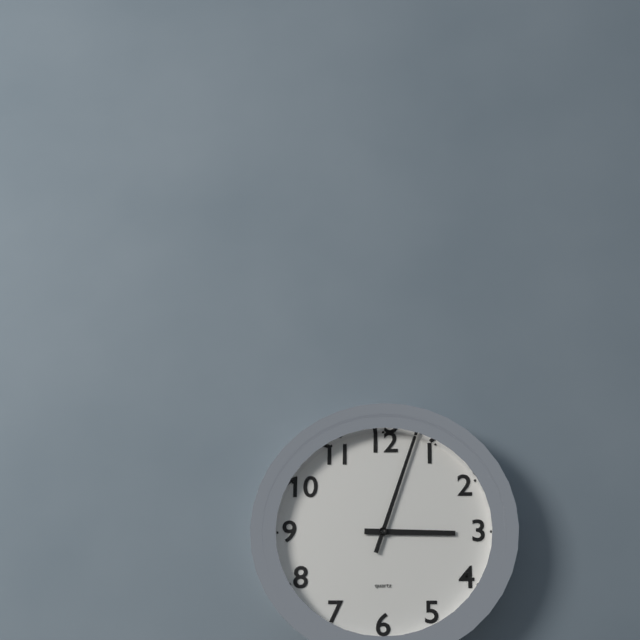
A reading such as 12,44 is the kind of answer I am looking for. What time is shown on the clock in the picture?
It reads 3,03
